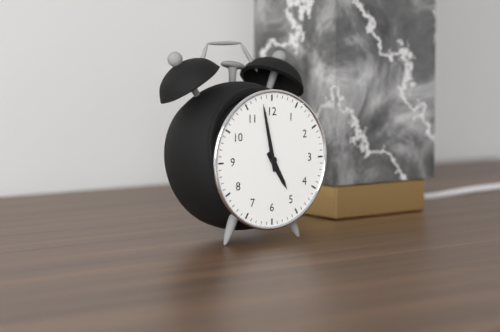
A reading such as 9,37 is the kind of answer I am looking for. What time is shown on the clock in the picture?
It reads 4,58
